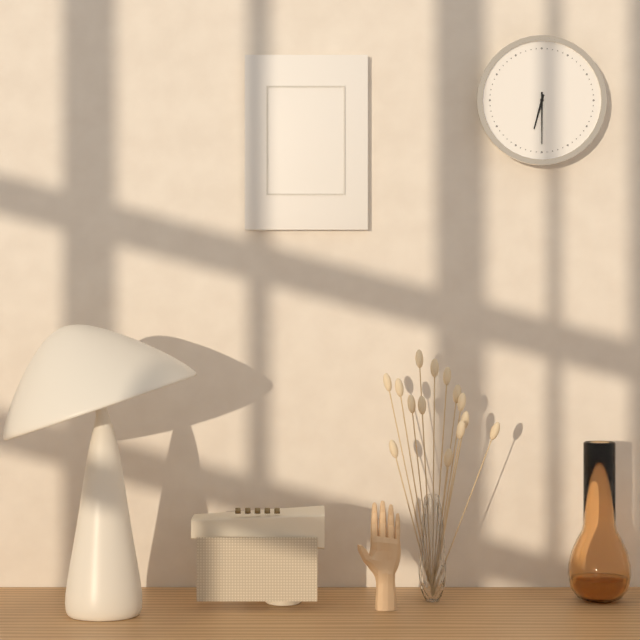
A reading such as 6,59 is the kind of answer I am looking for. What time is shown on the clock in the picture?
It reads 6,30
